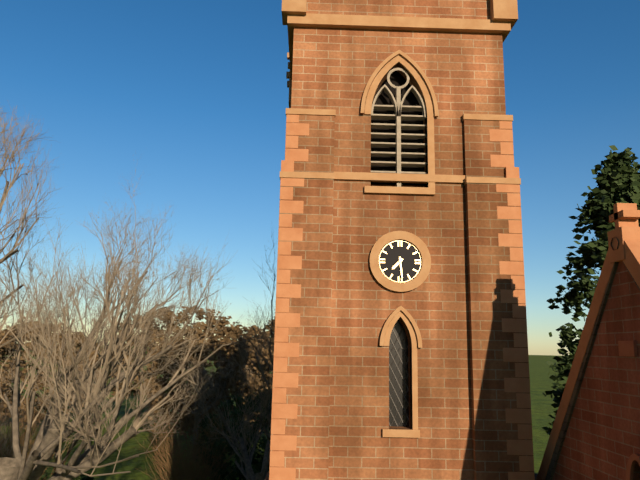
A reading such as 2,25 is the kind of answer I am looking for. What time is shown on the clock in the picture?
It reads 7,29
